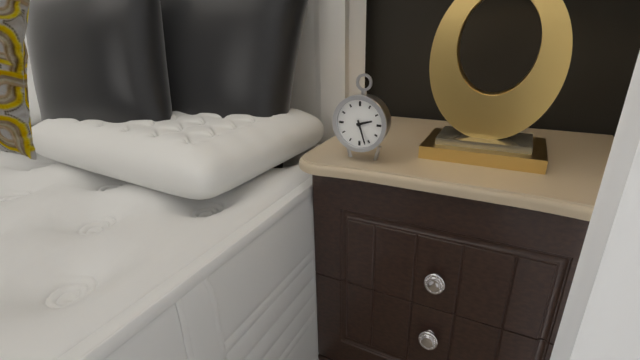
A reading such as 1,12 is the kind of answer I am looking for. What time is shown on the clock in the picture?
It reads 2,27
